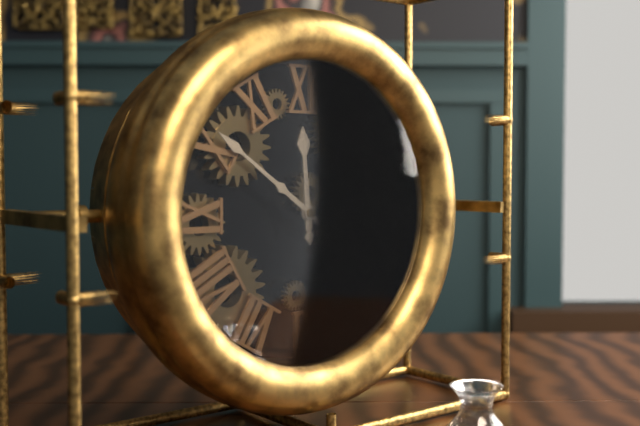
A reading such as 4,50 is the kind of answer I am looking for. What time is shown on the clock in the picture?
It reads 11,51
